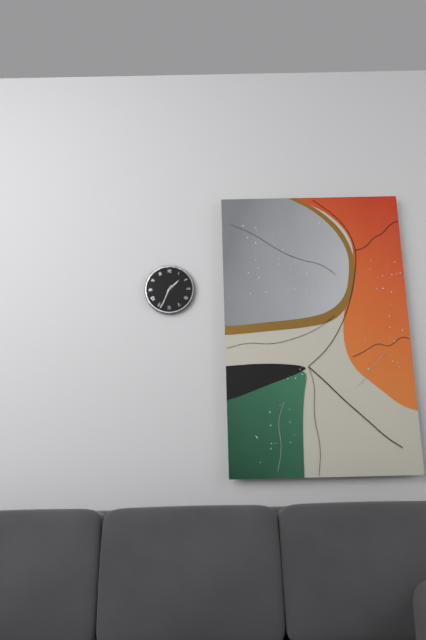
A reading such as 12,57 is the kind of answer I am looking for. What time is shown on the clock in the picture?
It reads 1,34
